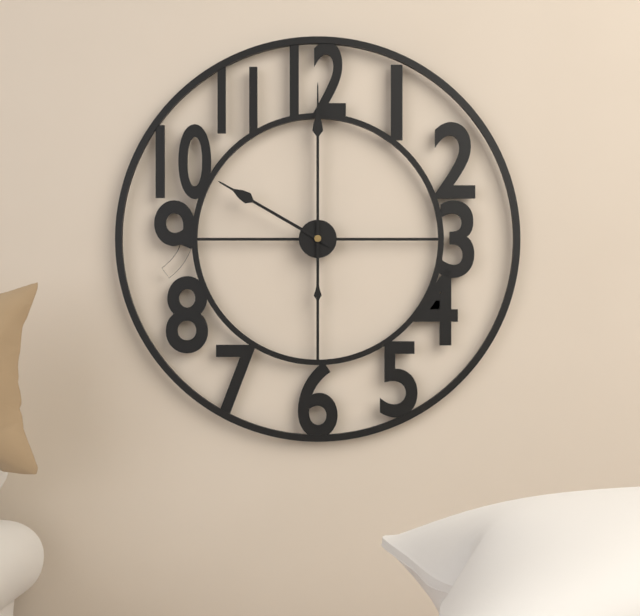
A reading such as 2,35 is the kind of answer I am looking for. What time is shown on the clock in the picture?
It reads 10,00
